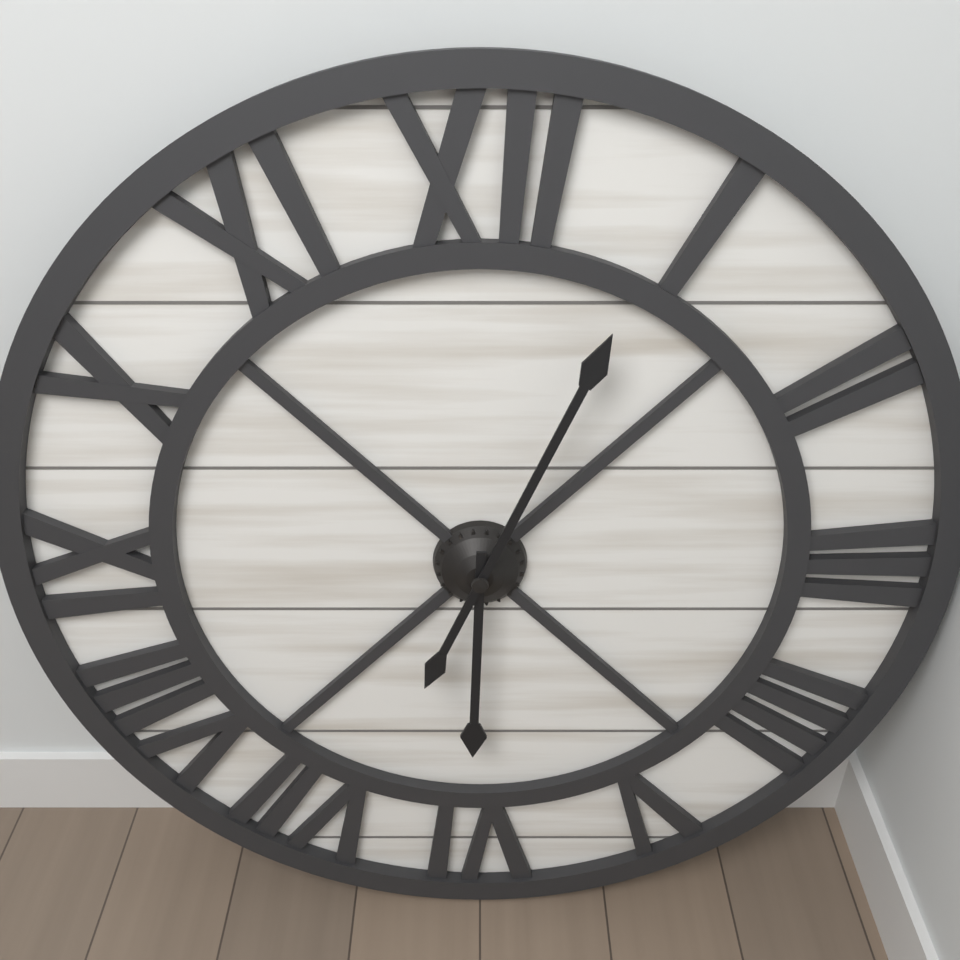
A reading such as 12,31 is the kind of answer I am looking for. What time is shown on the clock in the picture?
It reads 6,04
